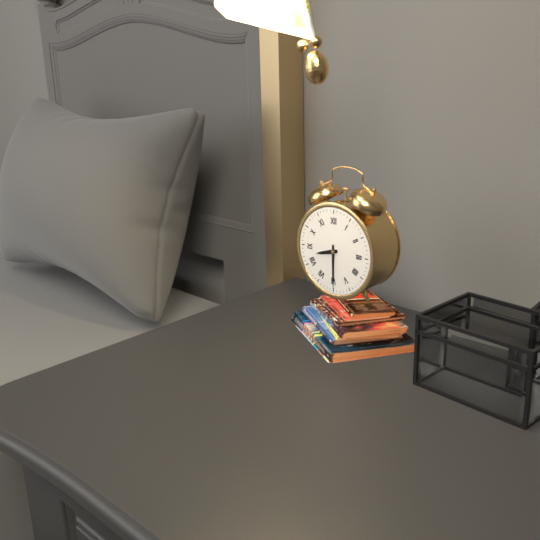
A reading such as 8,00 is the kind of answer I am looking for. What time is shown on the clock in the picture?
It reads 8,30
